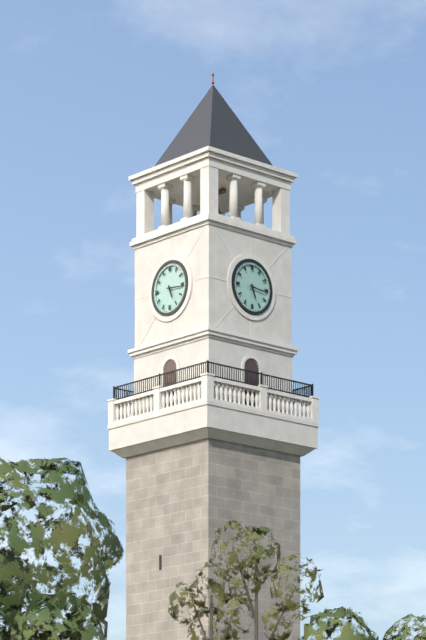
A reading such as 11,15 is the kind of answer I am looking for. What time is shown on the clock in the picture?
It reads 5,16
